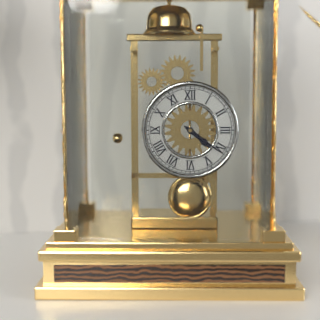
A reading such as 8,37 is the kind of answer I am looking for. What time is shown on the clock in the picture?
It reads 4,21
